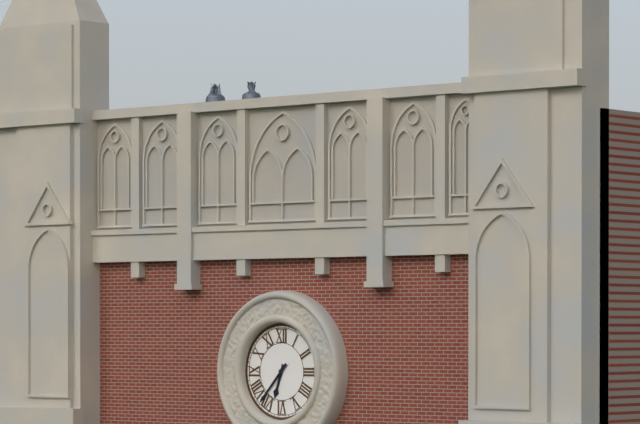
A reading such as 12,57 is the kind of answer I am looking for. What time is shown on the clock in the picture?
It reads 6,37
